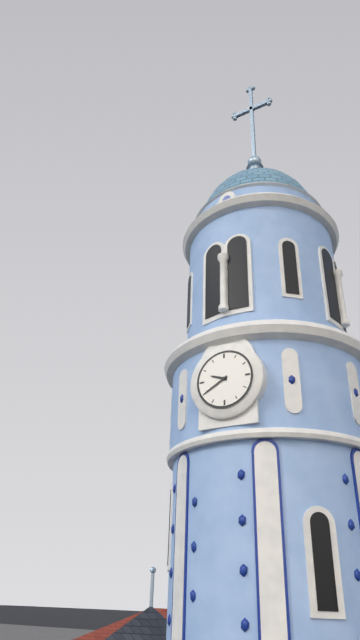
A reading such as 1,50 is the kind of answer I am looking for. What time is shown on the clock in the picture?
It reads 9,40
